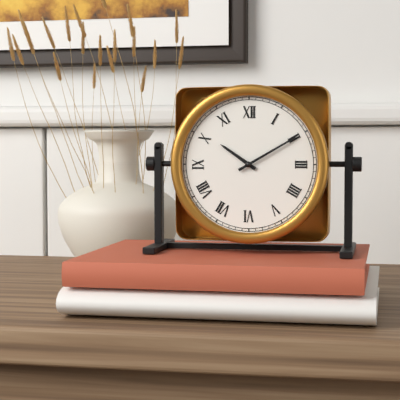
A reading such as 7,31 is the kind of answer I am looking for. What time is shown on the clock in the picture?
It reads 10,10
